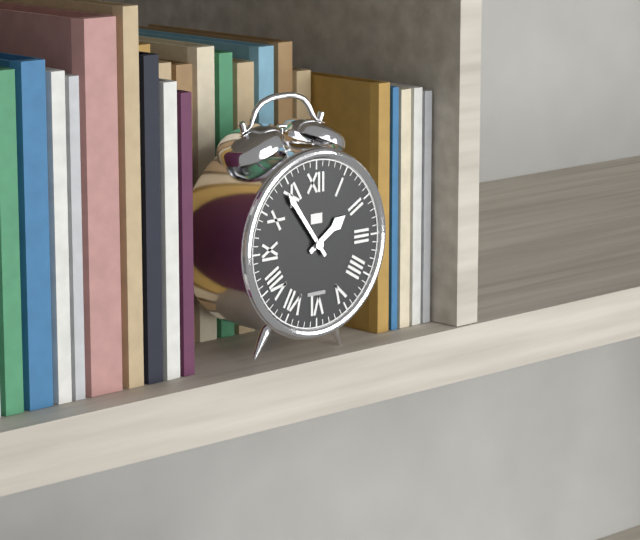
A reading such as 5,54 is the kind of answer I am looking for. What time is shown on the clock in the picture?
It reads 1,54
